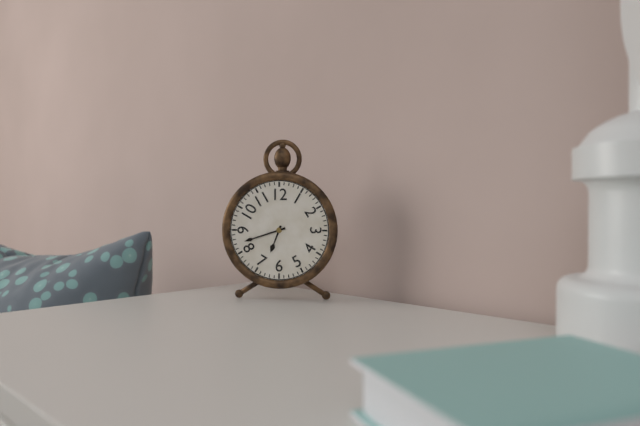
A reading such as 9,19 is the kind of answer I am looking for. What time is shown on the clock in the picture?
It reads 6,42
